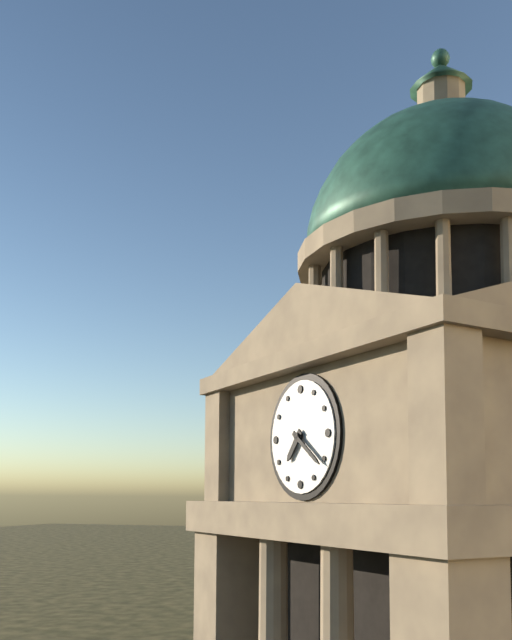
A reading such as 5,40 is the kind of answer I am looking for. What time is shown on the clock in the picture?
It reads 7,21
